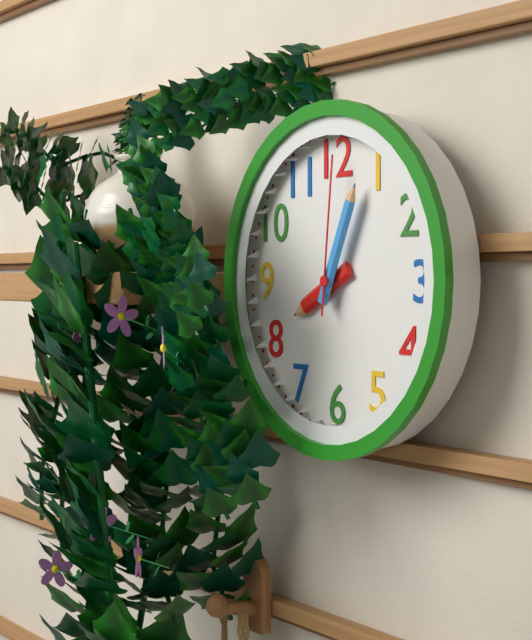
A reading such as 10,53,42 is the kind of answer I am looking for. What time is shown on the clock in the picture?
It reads 8,04,01
